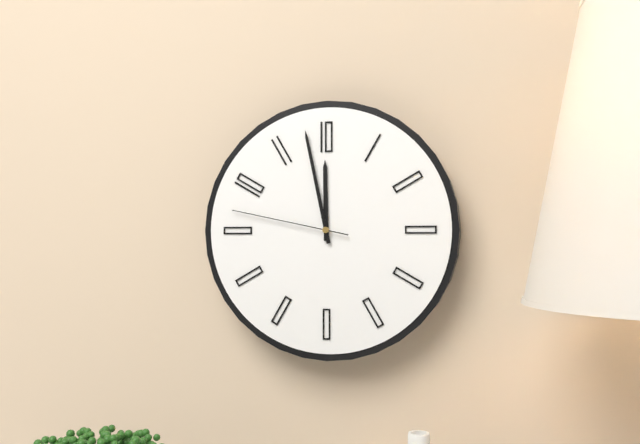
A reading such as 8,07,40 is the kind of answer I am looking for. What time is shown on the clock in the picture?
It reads 11,58,47
